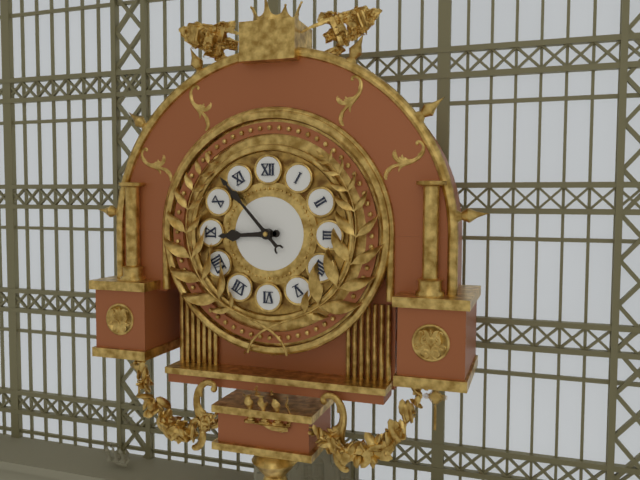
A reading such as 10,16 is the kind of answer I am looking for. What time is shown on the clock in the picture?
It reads 8,53
